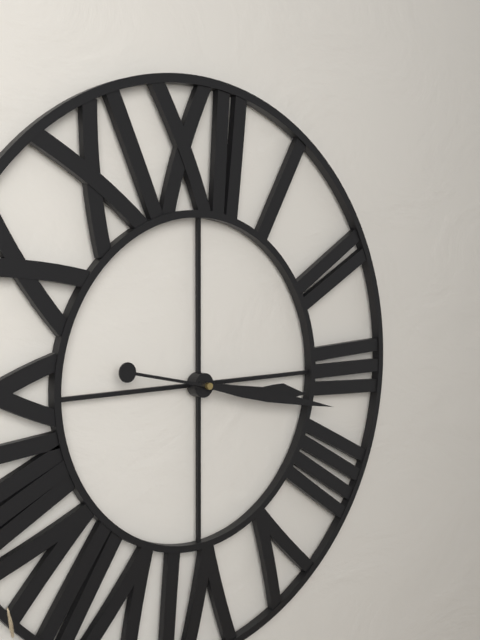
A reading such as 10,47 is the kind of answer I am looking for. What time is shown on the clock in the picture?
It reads 3,17
